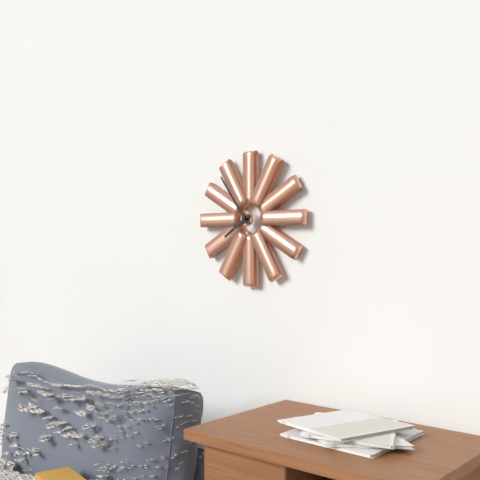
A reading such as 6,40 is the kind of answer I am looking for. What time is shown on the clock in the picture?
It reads 7,54
